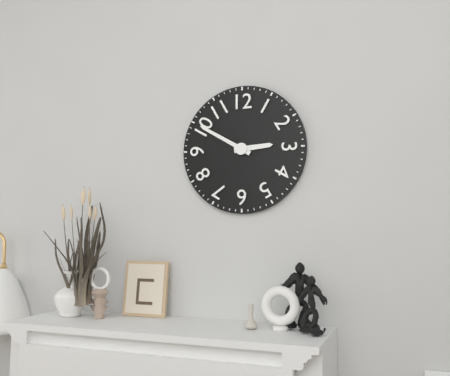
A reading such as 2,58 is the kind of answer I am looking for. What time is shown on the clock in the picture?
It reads 2,50
